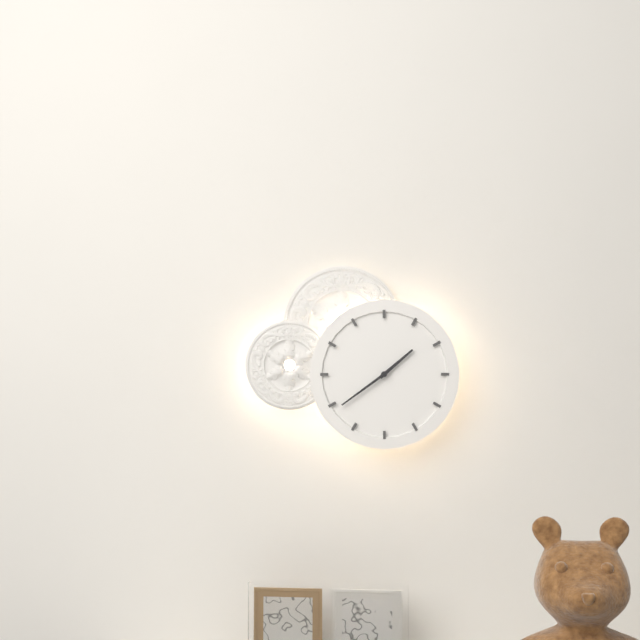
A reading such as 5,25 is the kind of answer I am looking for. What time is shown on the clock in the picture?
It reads 1,39
